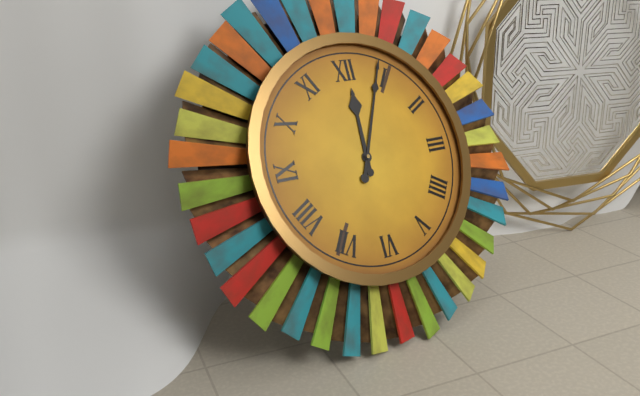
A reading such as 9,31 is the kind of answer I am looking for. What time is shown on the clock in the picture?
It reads 12,04
